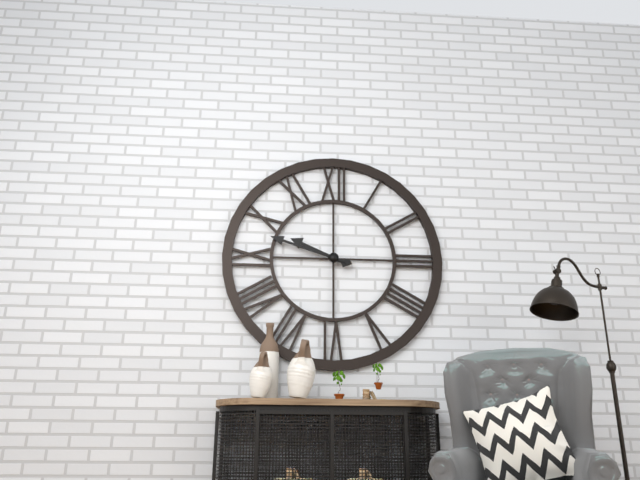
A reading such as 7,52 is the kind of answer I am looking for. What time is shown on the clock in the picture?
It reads 9,48
